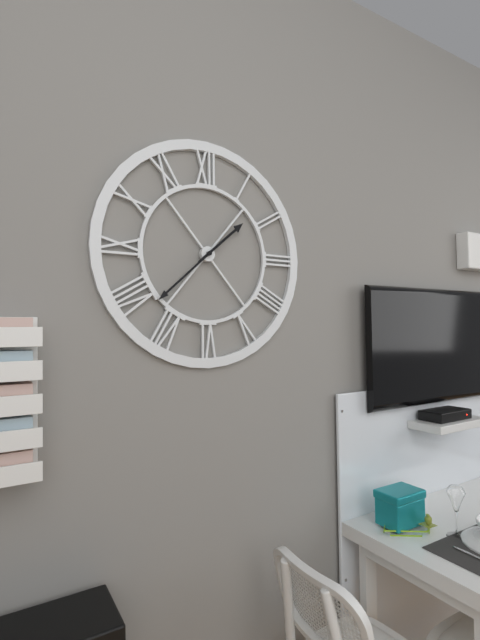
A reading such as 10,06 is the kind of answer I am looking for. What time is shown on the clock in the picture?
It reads 1,38
